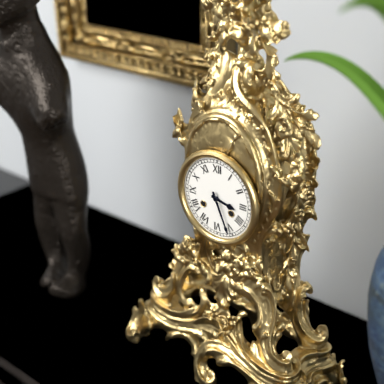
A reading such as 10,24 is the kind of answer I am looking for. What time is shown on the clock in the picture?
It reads 3,26
